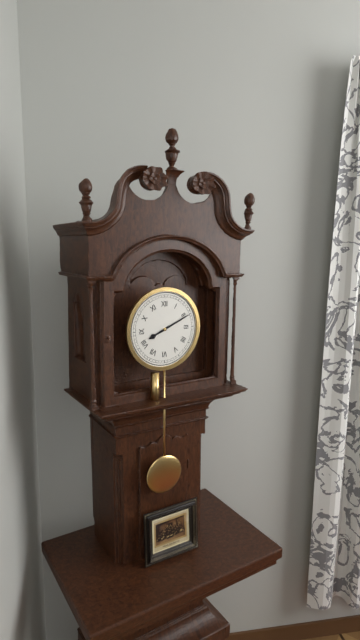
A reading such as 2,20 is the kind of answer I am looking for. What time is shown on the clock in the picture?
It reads 8,11
